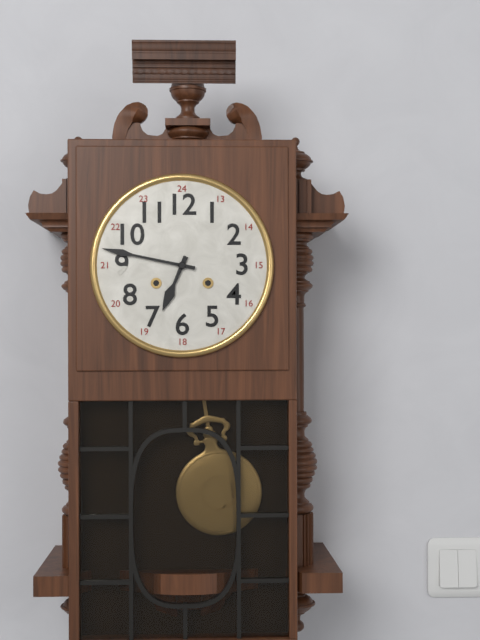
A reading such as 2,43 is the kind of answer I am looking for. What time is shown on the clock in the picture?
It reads 6,47
